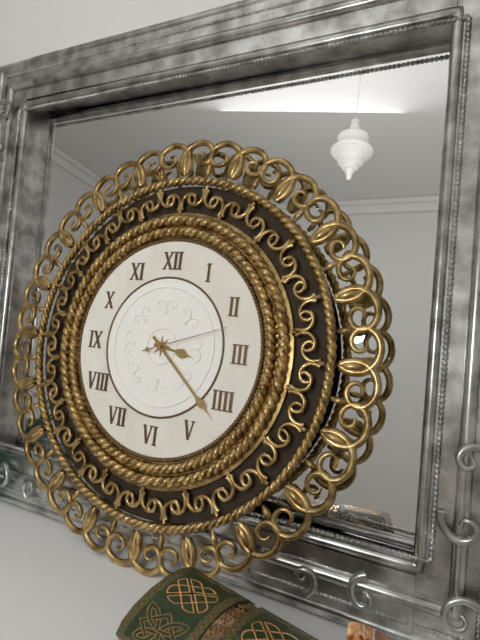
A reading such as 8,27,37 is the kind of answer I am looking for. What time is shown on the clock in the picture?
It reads 3,22,12
